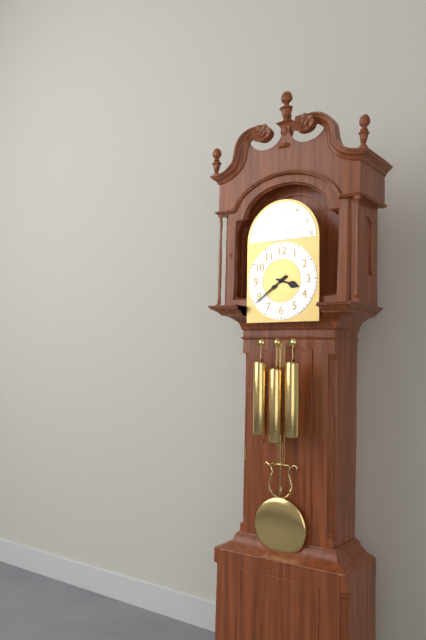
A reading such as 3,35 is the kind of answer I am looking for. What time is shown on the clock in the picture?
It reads 3,39
